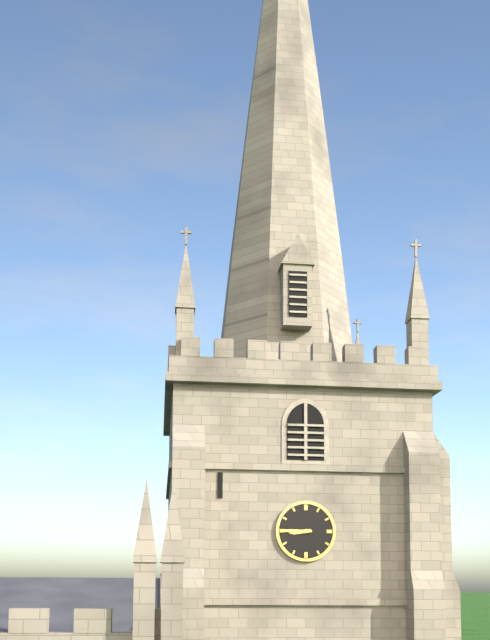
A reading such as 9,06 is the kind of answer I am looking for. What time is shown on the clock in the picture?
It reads 8,45
